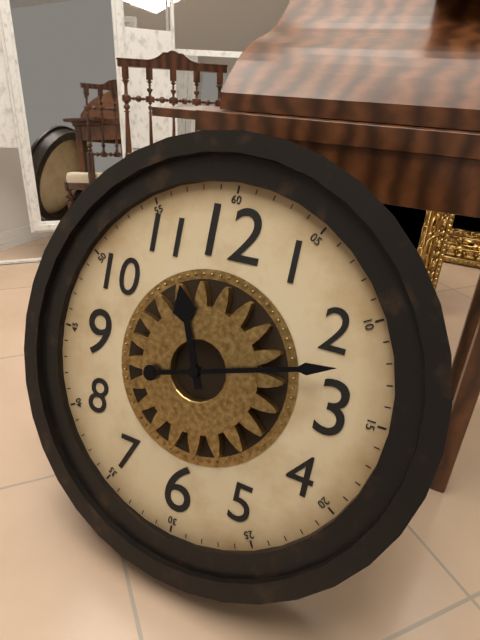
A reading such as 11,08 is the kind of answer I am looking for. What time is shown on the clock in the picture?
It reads 11,12
